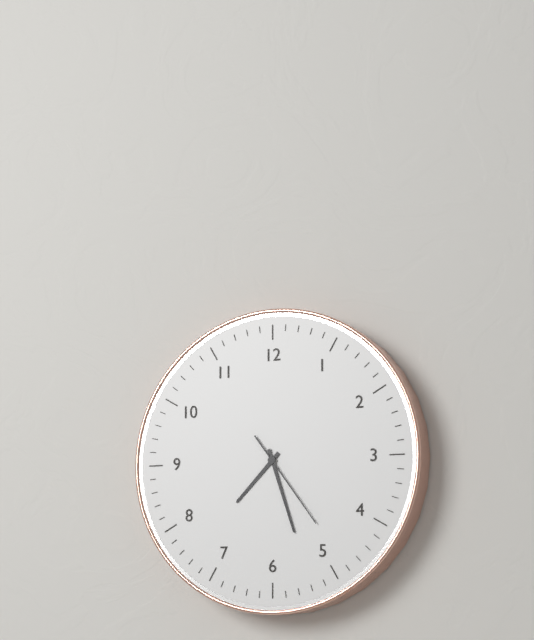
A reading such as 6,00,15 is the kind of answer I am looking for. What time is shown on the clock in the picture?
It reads 7,27,24
